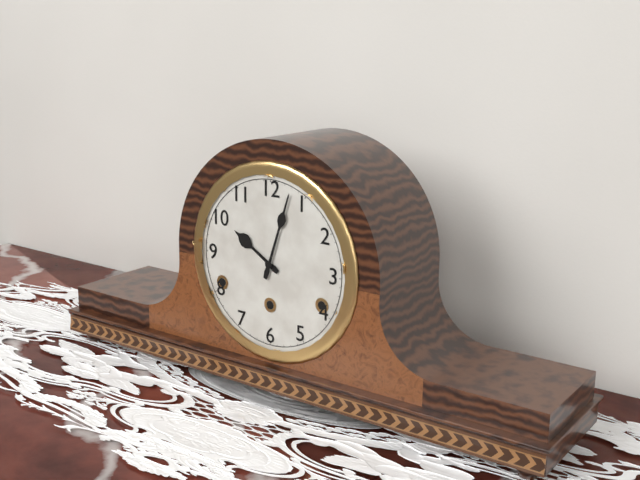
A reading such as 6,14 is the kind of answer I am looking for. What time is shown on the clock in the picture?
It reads 10,03
